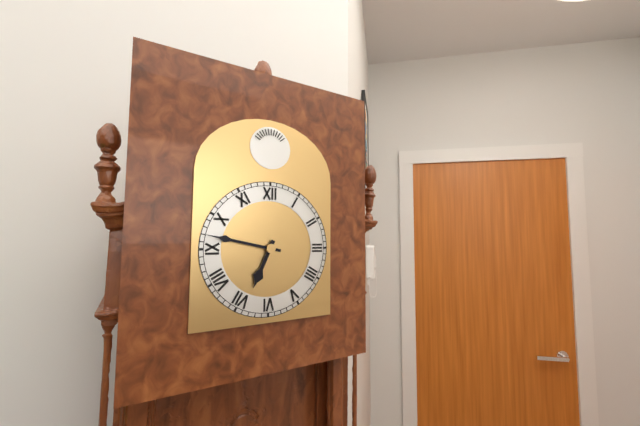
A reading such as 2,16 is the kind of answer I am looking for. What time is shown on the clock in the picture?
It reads 6,47
